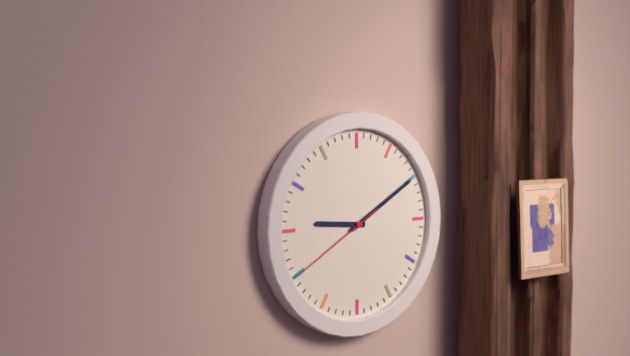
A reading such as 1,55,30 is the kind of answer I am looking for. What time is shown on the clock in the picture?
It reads 9,10,40
